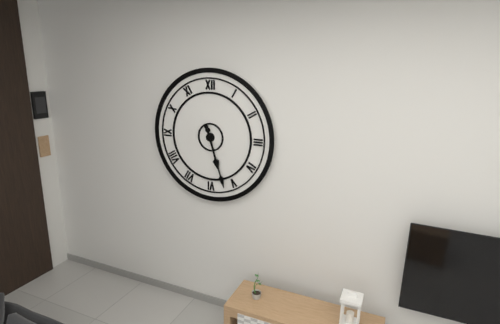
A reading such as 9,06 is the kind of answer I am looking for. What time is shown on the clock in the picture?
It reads 5,27
